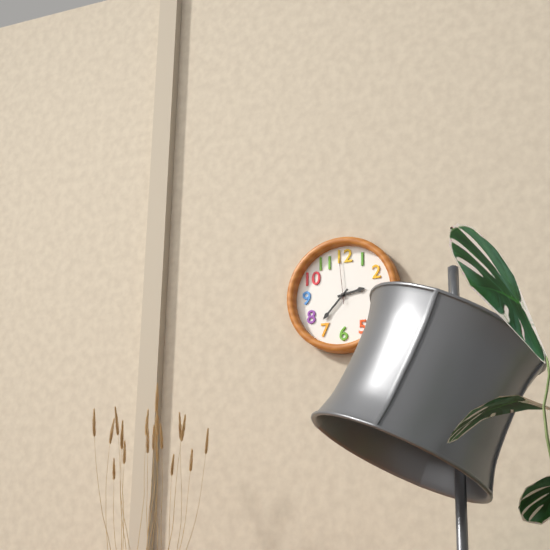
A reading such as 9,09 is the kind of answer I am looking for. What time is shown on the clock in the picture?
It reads 2,37
